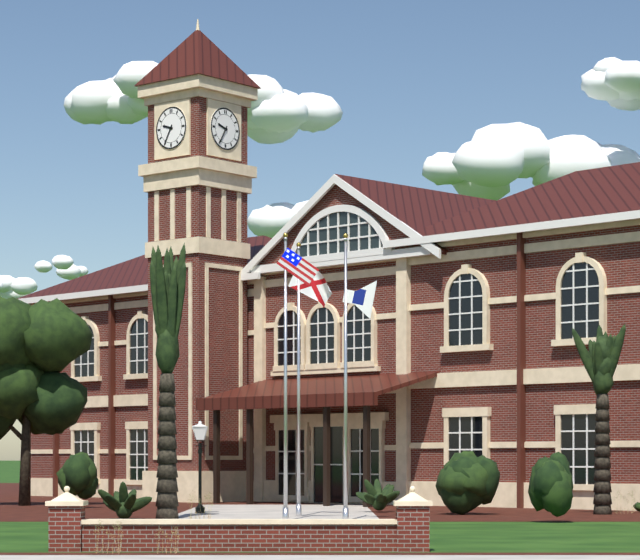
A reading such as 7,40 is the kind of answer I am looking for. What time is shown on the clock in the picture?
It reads 9,35
